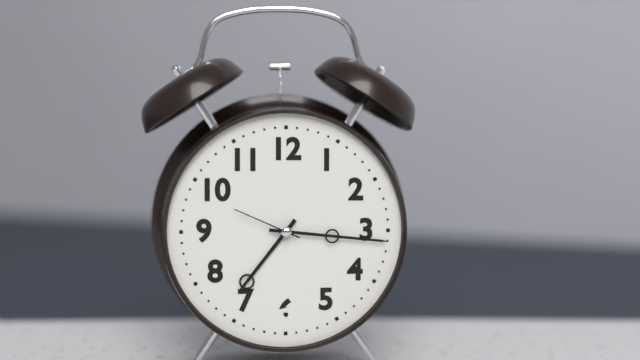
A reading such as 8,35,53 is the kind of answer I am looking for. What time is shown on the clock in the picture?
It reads 7,16,49
